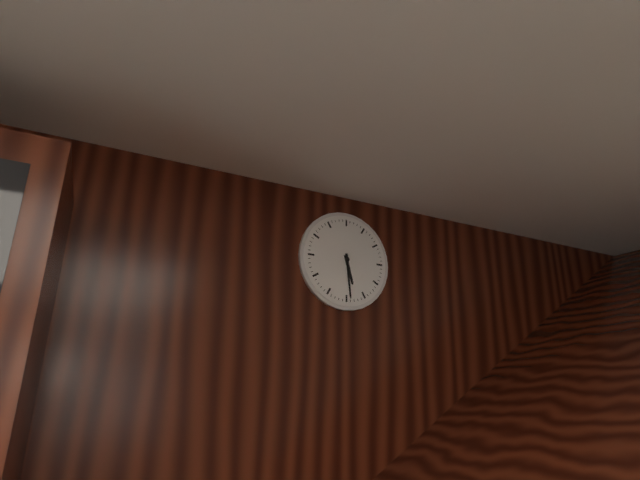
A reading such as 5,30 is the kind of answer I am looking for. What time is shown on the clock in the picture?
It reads 5,29
